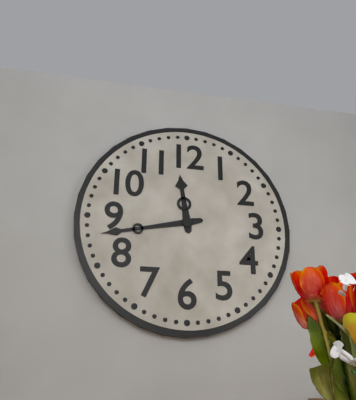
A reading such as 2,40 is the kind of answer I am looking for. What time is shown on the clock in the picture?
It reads 11,43
